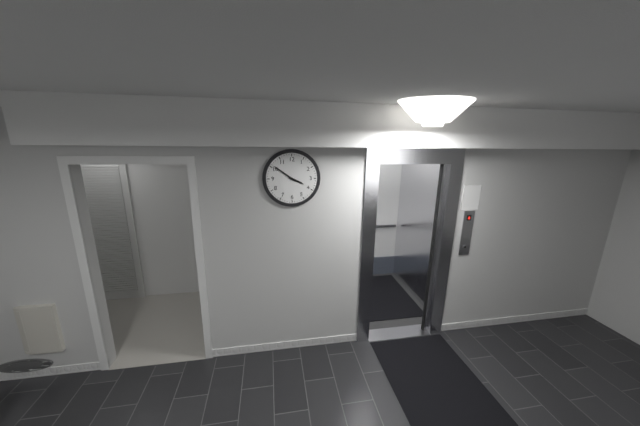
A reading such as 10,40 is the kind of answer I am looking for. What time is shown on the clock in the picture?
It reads 3,51
